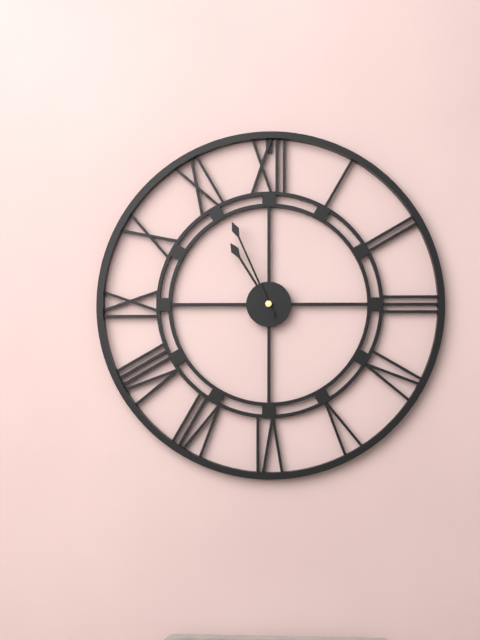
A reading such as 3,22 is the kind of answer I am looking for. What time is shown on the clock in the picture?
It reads 10,56
